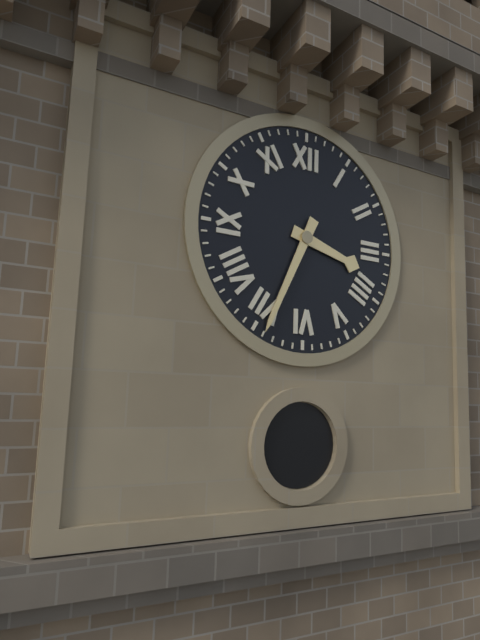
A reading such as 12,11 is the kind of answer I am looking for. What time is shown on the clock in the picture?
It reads 3,34
